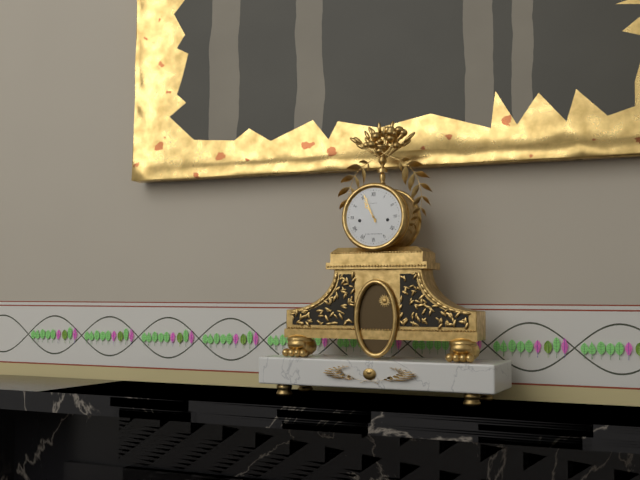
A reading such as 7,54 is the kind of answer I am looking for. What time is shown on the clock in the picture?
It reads 10,56
